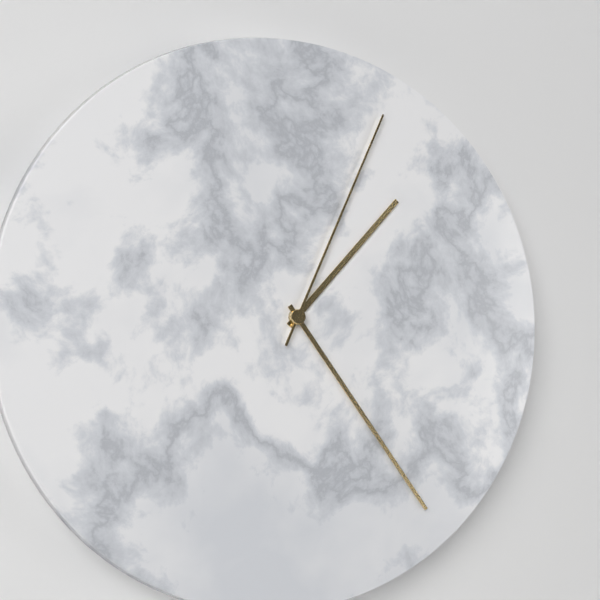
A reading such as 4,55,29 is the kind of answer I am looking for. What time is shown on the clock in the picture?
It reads 1,24,04
